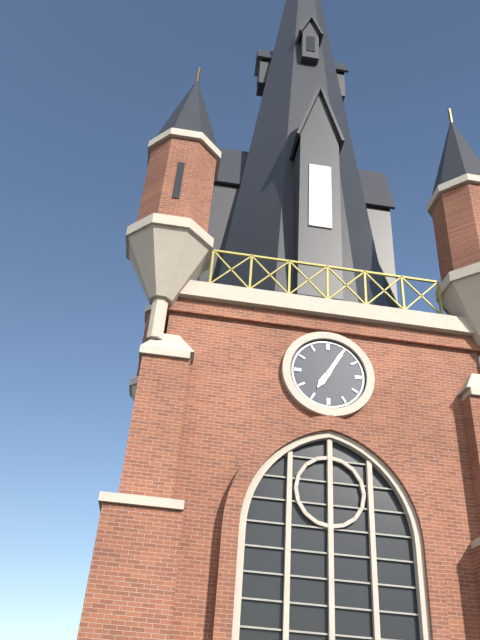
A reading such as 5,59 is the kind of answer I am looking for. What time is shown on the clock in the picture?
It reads 7,05
